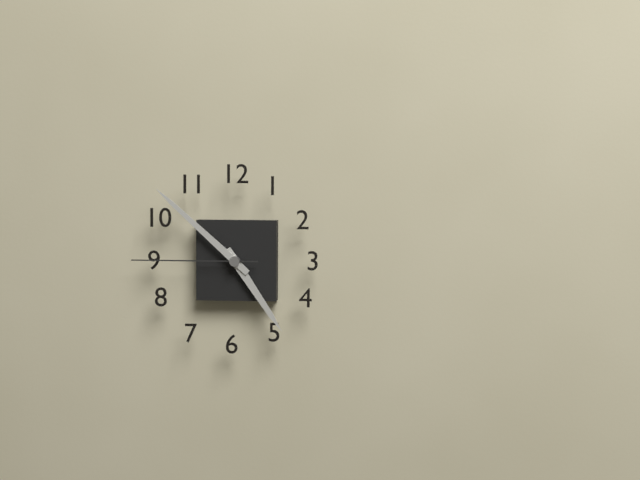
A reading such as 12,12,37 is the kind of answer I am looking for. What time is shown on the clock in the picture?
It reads 4,52,45
